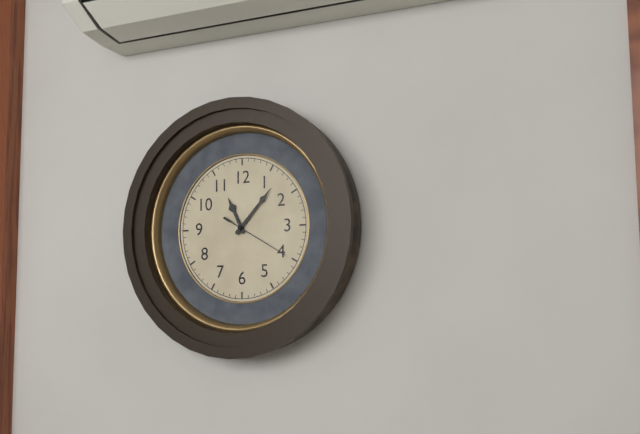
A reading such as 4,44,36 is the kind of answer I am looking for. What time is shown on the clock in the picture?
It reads 11,07,20
